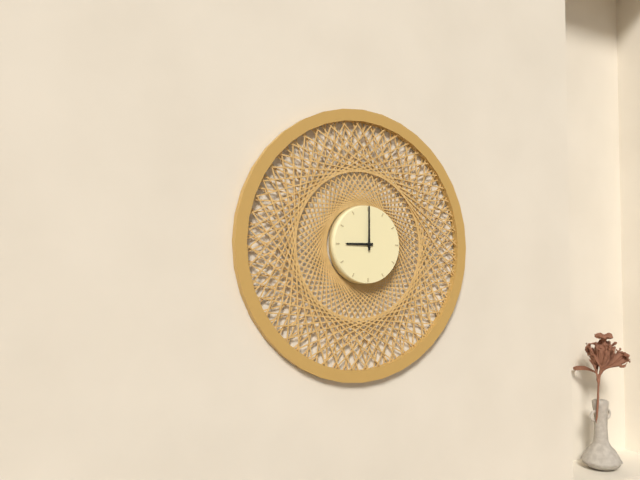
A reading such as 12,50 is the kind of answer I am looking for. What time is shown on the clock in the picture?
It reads 9,00
